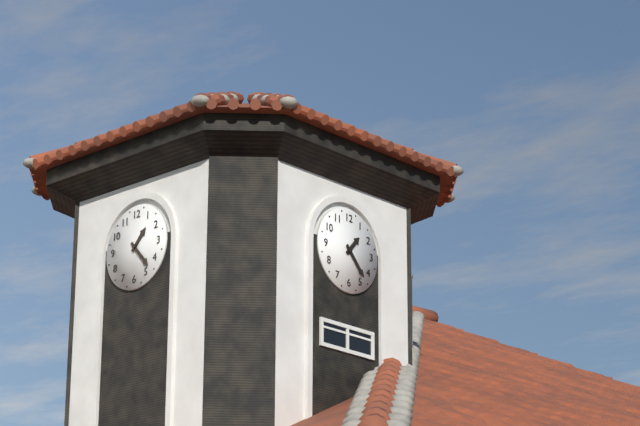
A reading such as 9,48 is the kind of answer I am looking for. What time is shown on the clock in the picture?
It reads 1,23
